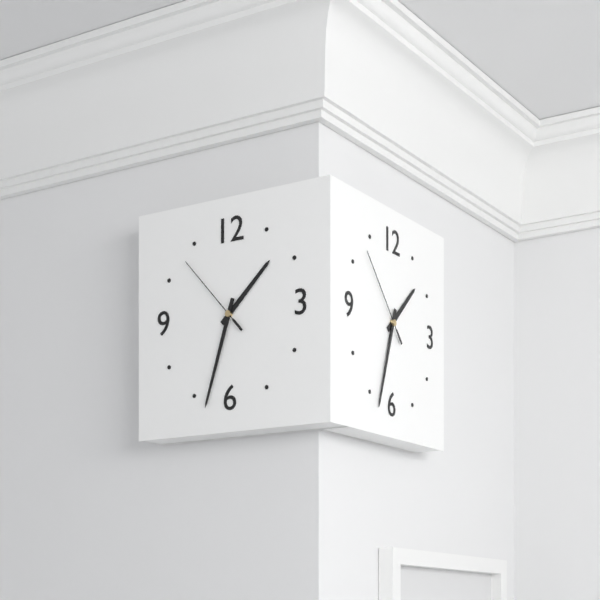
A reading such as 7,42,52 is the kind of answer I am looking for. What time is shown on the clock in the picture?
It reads 1,33,53
